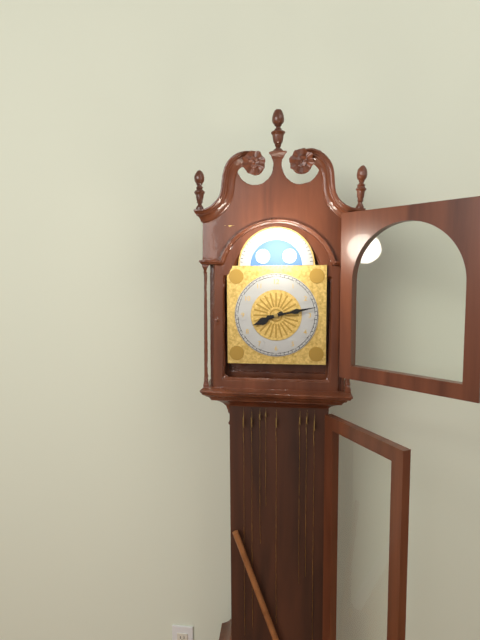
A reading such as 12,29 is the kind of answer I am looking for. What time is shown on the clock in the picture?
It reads 8,13
